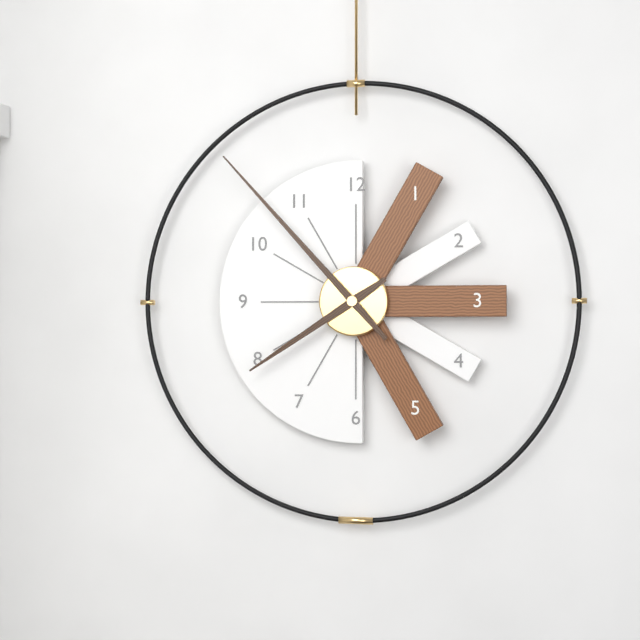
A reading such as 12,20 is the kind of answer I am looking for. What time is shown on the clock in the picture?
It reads 7,53
